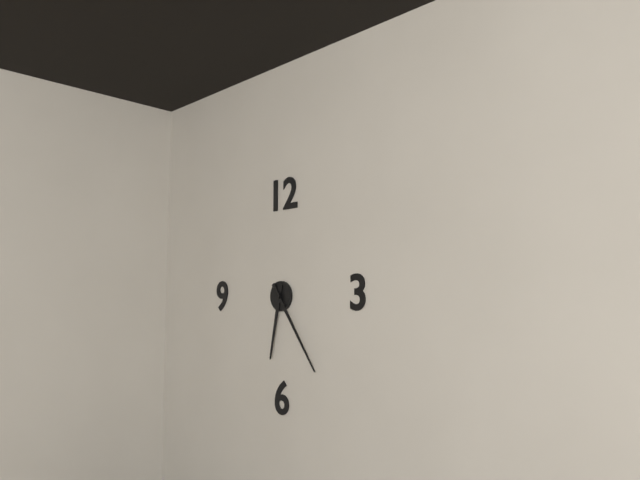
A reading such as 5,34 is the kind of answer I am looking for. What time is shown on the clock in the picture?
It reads 6,24
